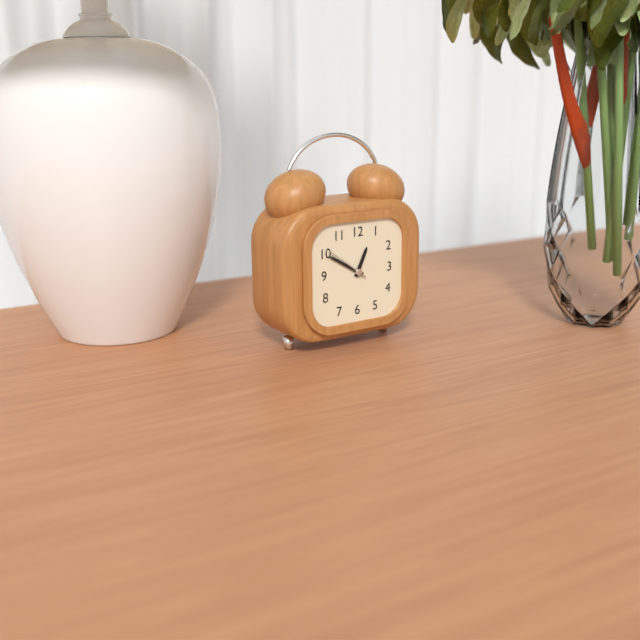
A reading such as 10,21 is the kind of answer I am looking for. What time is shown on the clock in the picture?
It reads 12,50
